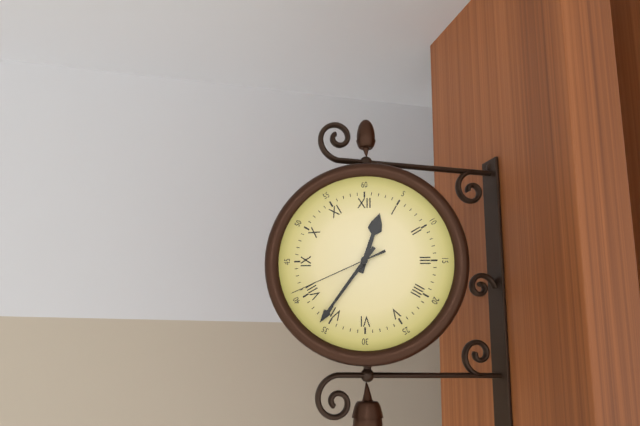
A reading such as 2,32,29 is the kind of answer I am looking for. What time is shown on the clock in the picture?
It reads 12,36,41
